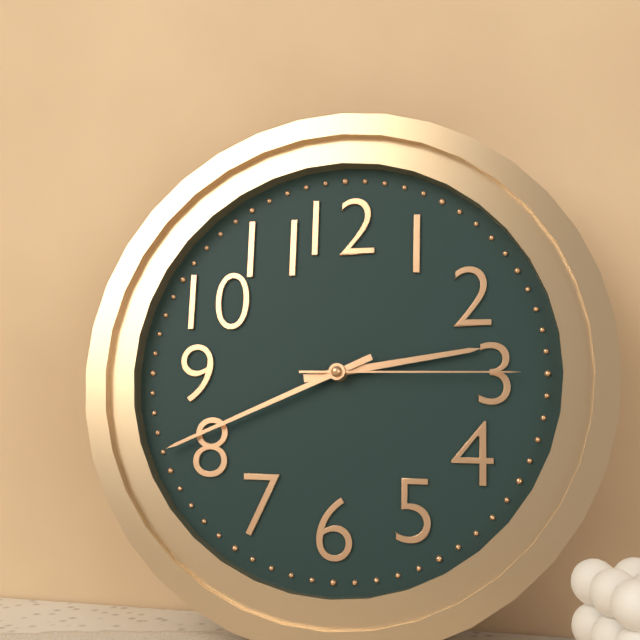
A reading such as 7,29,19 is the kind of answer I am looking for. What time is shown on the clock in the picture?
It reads 2,41,15
